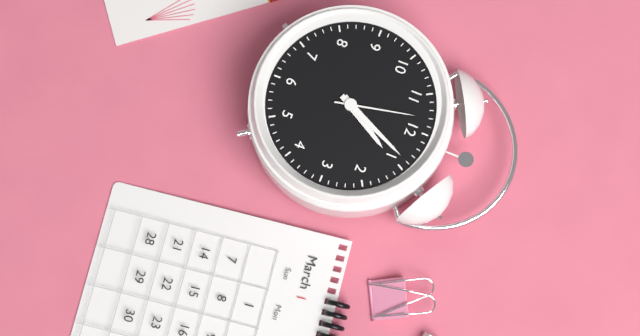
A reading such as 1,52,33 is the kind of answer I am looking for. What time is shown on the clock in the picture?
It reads 1,04,58
